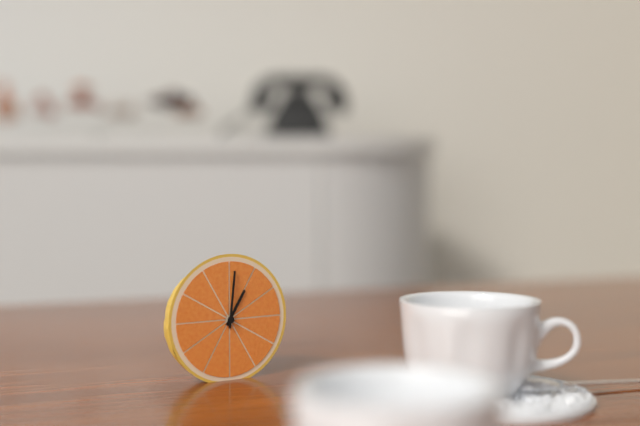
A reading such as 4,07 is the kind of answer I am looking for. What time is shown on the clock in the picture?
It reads 1,01
